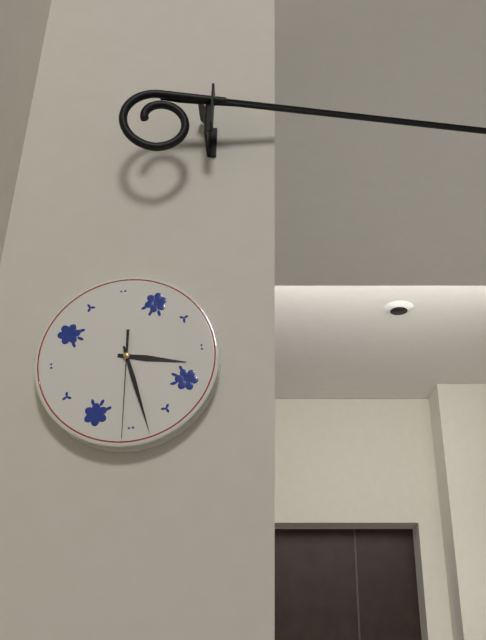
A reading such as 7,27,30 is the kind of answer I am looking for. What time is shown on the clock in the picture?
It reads 3,28,31
